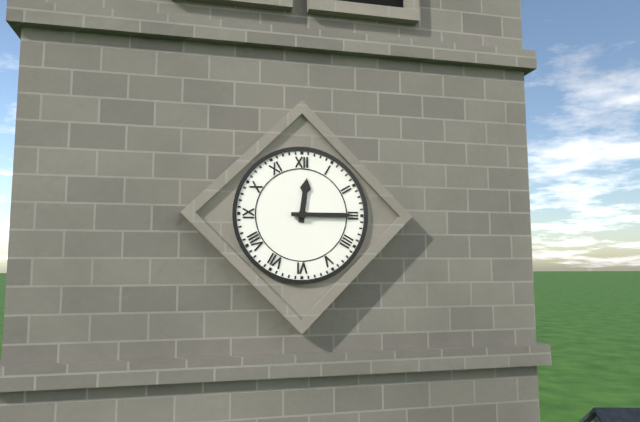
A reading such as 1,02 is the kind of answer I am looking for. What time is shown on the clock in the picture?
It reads 12,15
